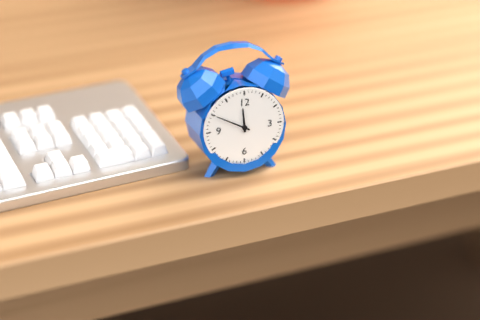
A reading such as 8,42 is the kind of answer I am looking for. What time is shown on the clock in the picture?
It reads 11,50
